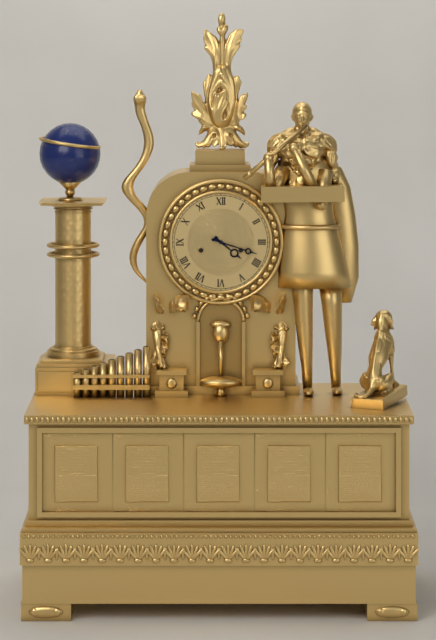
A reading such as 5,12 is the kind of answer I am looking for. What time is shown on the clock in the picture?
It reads 4,18
